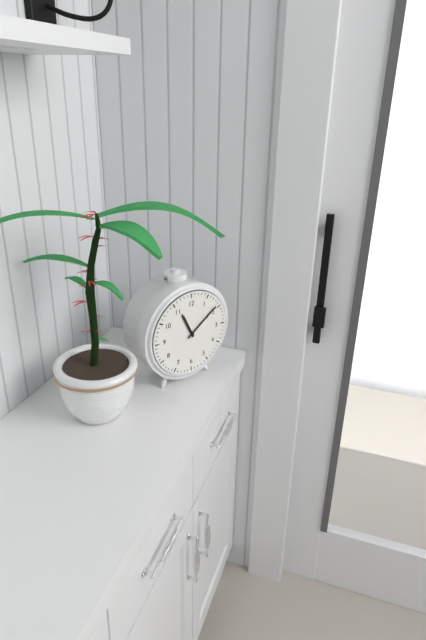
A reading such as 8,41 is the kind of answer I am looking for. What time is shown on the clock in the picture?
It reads 11,09
